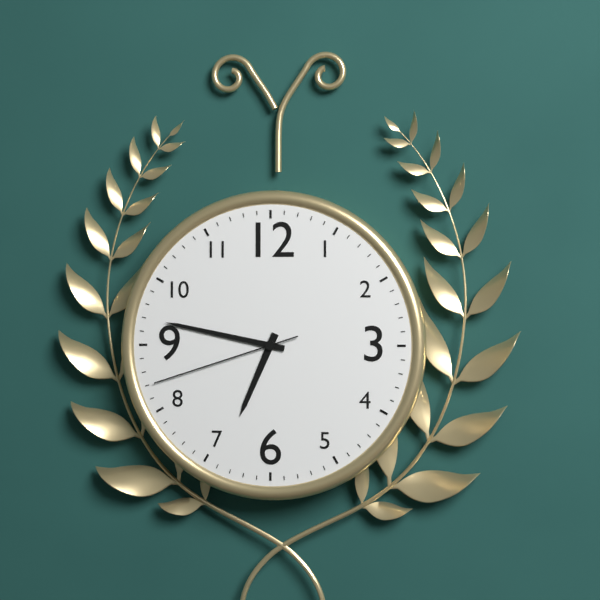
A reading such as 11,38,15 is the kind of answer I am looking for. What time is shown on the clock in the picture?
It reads 6,47,42
